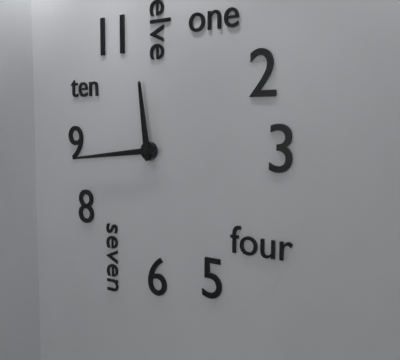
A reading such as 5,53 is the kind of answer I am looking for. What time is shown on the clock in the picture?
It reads 11,44
